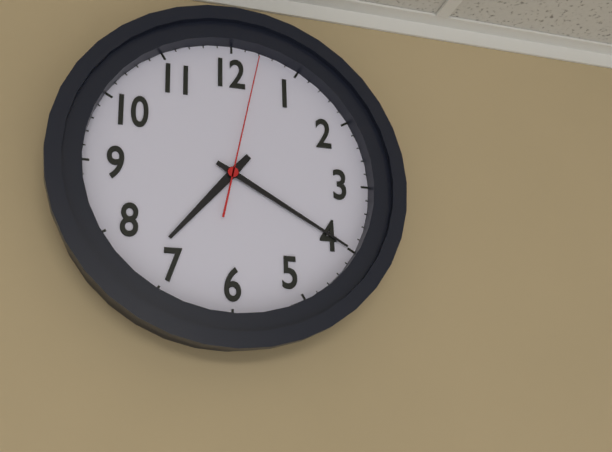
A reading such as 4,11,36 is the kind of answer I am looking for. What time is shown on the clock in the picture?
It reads 7,20,02
